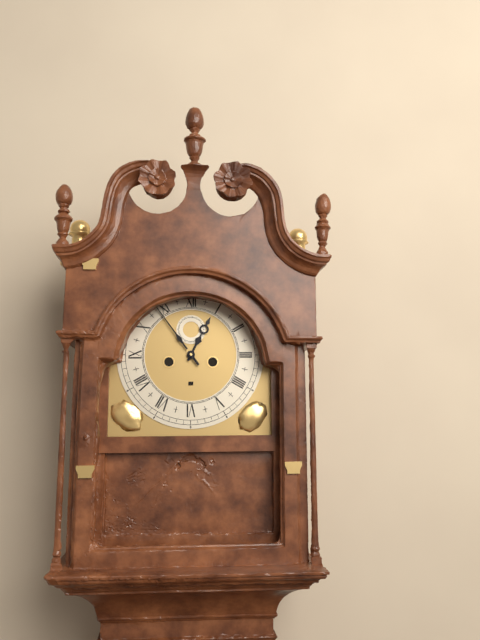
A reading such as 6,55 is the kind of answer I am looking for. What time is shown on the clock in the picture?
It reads 12,54
